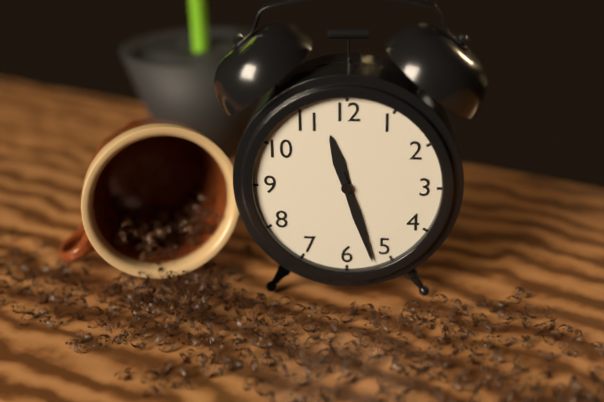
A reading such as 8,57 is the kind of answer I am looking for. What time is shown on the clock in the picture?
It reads 11,27
